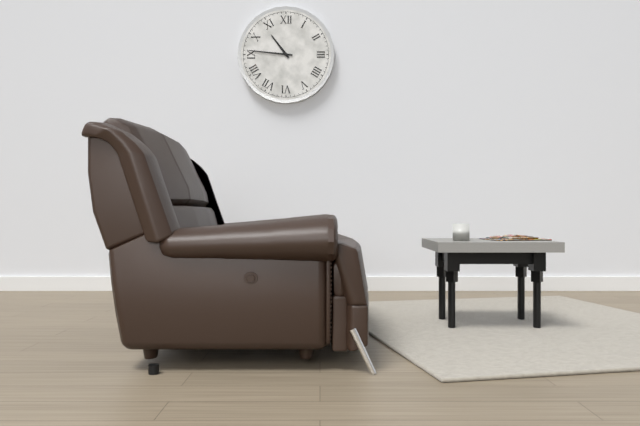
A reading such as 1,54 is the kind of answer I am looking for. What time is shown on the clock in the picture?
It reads 10,46
